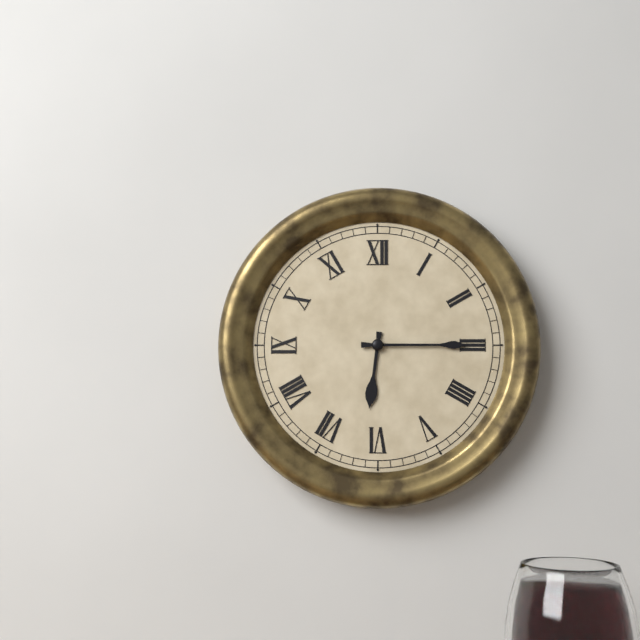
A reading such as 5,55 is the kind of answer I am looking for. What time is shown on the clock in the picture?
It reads 6,15
